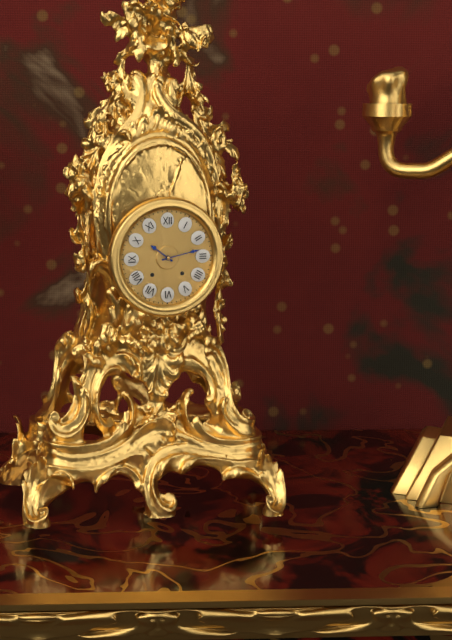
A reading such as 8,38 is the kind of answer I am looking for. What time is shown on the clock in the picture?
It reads 10,13
